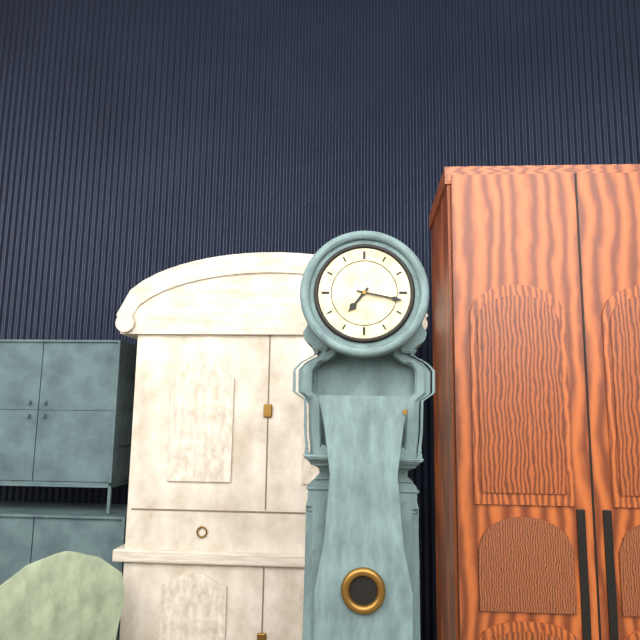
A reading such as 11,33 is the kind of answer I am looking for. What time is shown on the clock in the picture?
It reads 7,17
